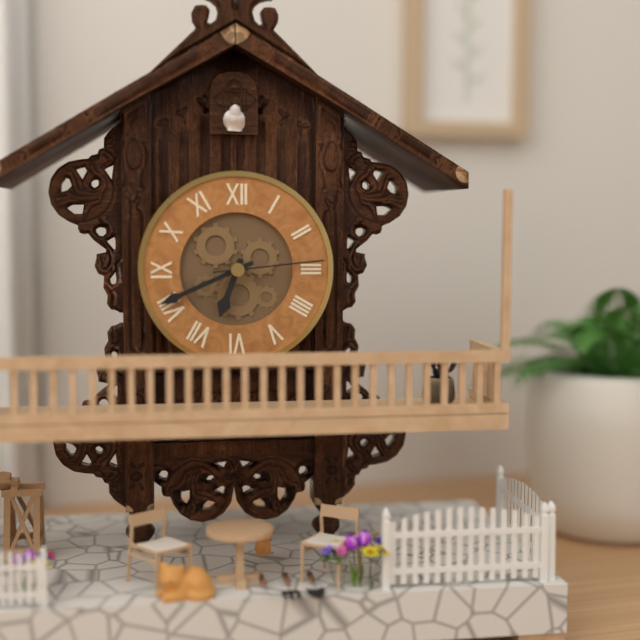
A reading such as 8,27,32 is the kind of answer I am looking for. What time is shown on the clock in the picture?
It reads 6,41,14
